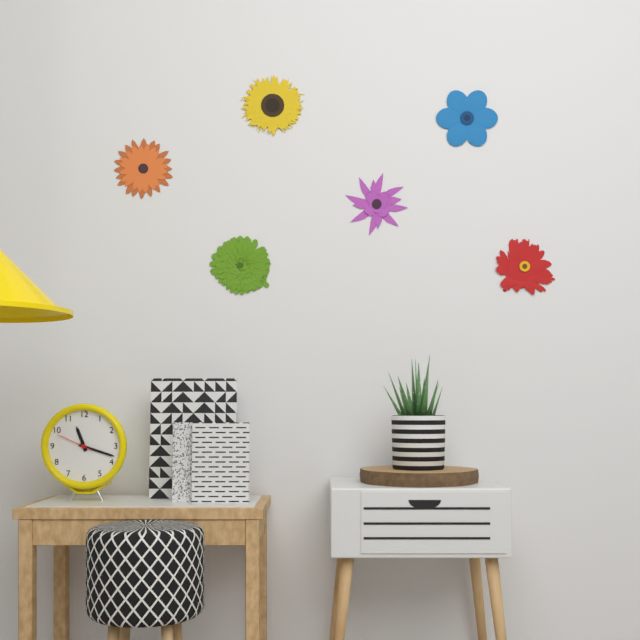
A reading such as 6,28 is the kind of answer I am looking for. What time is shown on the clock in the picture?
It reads 11,18
